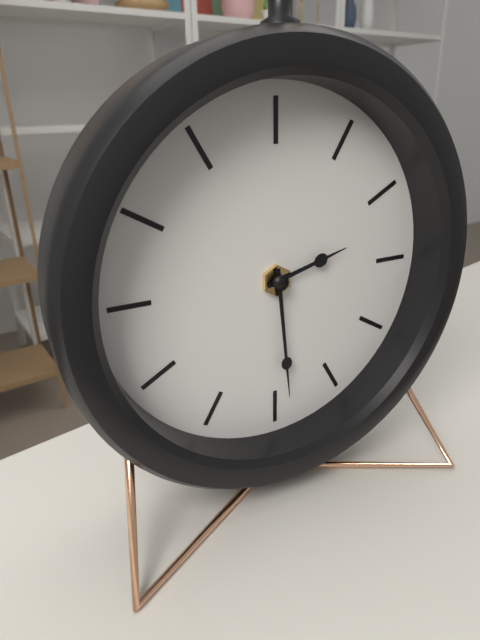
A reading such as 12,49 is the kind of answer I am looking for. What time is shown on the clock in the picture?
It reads 2,29
